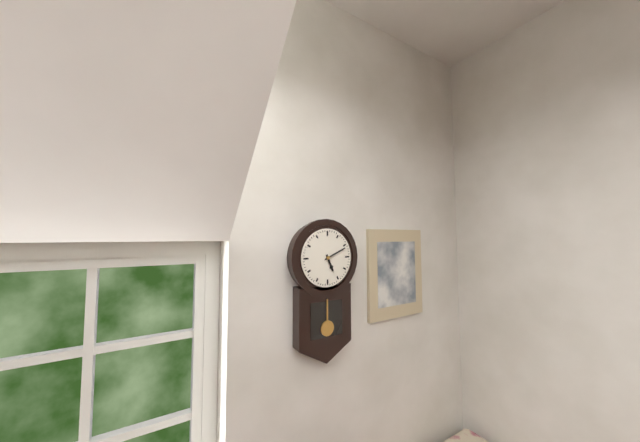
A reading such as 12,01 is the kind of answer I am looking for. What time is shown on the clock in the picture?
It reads 5,11
